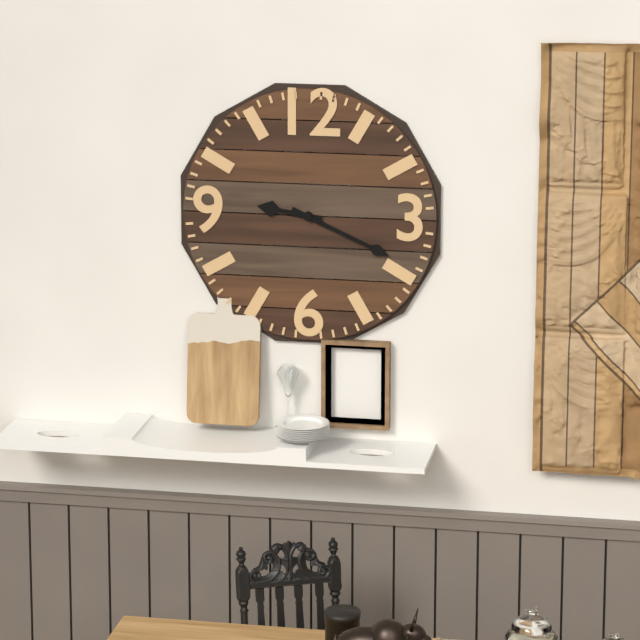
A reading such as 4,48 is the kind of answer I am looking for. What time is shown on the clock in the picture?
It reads 9,19
